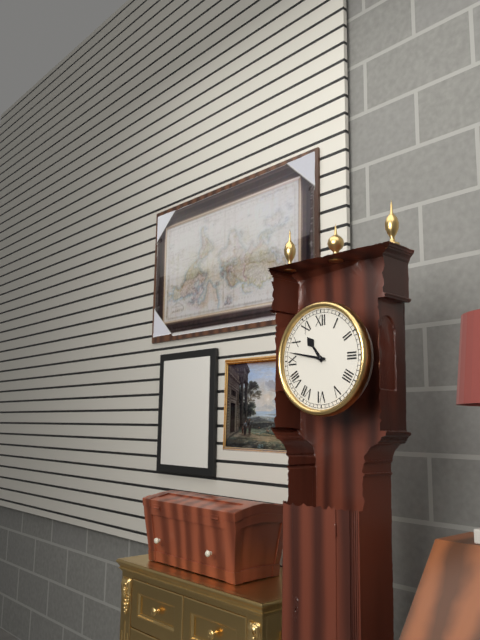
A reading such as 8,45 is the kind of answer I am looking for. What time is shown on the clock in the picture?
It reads 10,47
